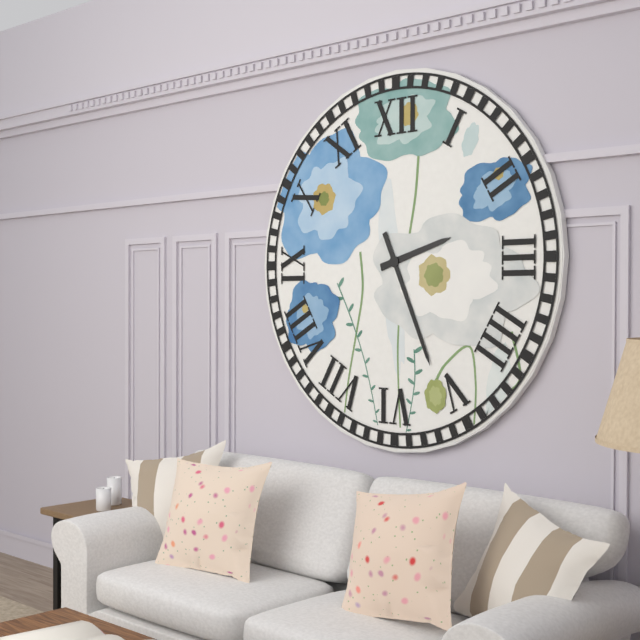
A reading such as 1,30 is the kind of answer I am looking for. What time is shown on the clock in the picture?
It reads 2,26
